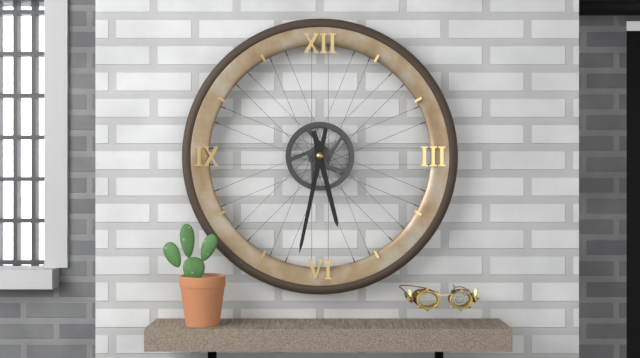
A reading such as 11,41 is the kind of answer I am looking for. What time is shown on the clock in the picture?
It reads 5,32
